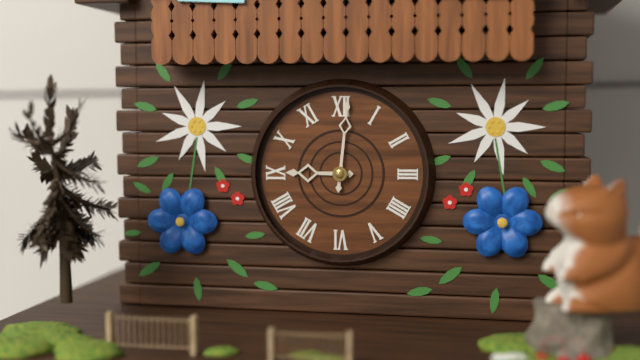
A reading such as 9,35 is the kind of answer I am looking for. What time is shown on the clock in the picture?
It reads 9,01
